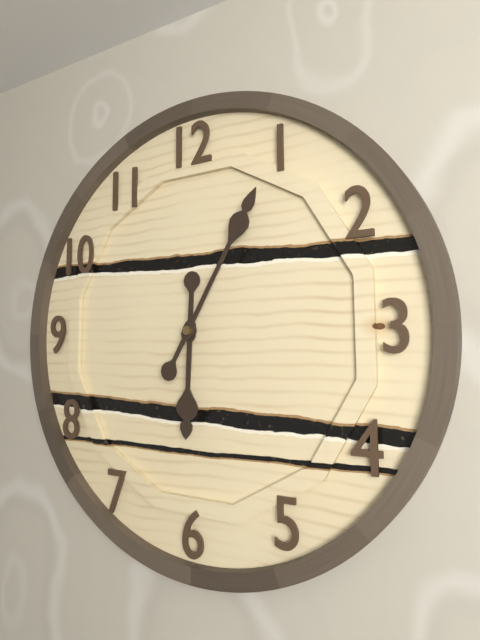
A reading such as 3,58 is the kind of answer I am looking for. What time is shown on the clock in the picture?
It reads 6,05
